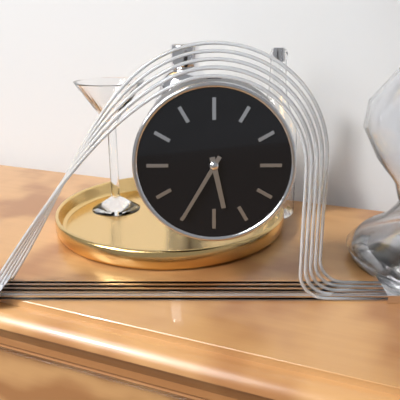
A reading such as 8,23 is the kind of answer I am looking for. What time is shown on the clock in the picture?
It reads 5,35
